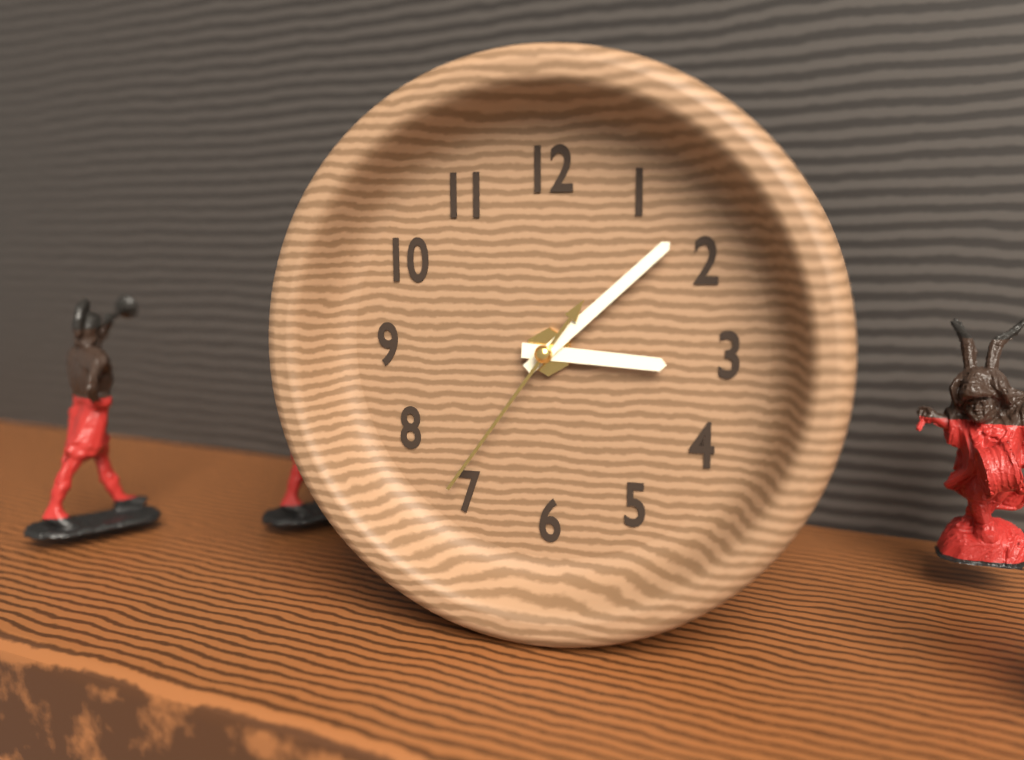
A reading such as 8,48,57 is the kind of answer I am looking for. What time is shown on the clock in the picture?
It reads 3,08,36
